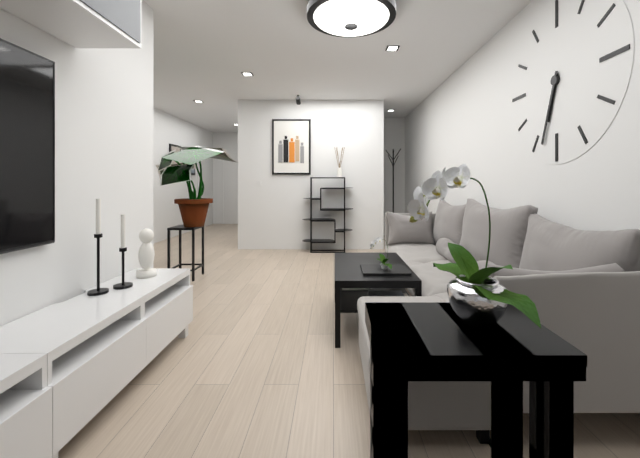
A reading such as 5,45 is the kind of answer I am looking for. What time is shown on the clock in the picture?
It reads 6,33
